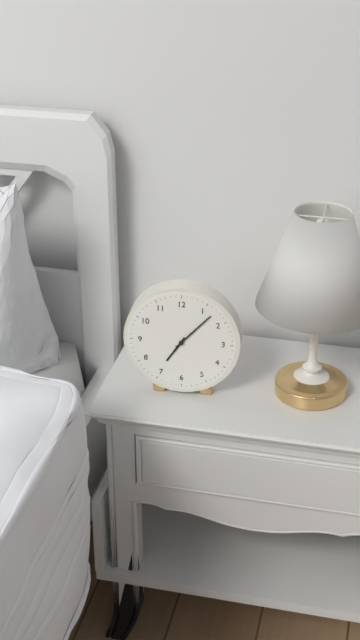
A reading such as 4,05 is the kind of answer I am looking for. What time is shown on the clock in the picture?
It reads 7,07
